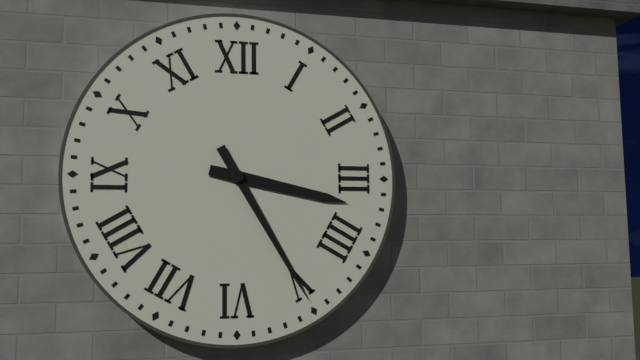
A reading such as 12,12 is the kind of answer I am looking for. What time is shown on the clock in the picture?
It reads 3,25
